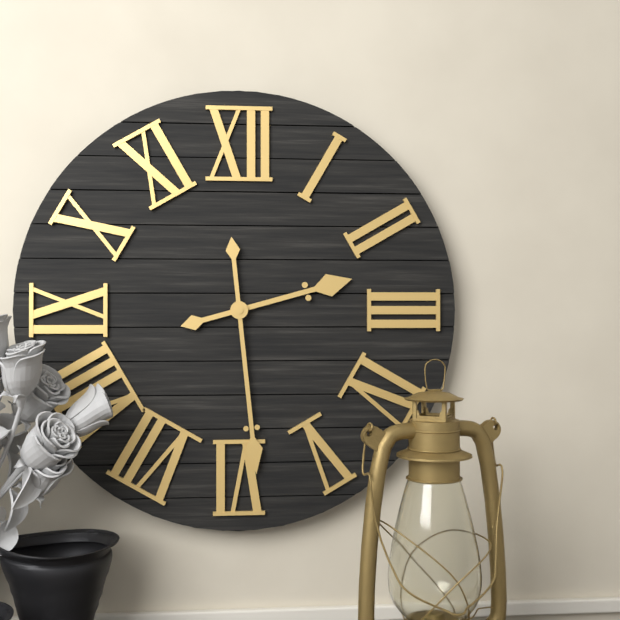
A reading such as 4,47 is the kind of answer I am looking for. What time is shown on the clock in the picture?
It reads 2,29
